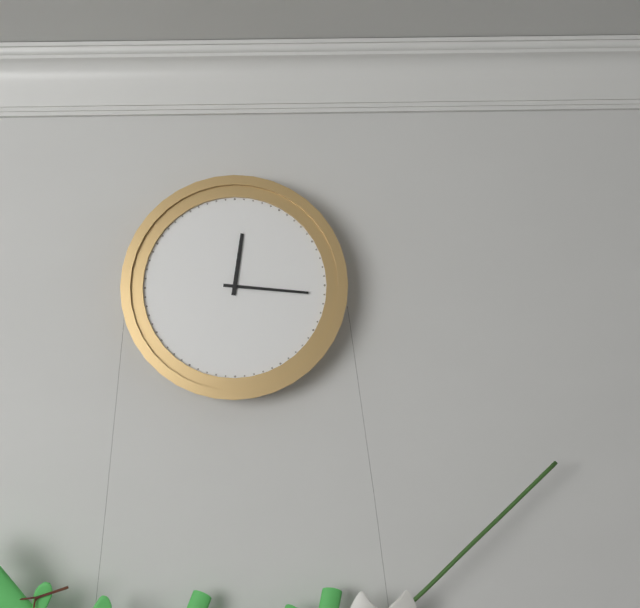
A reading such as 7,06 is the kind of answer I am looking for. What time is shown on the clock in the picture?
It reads 12,16
